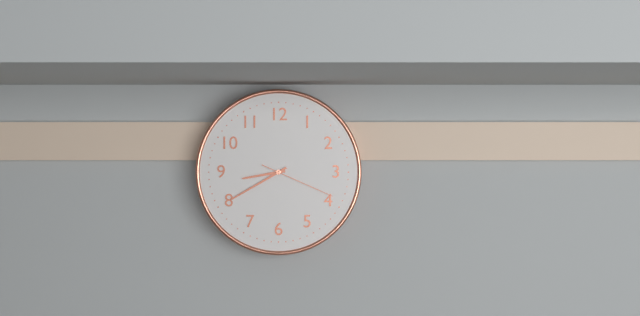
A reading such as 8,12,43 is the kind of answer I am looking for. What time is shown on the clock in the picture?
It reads 8,40,19
